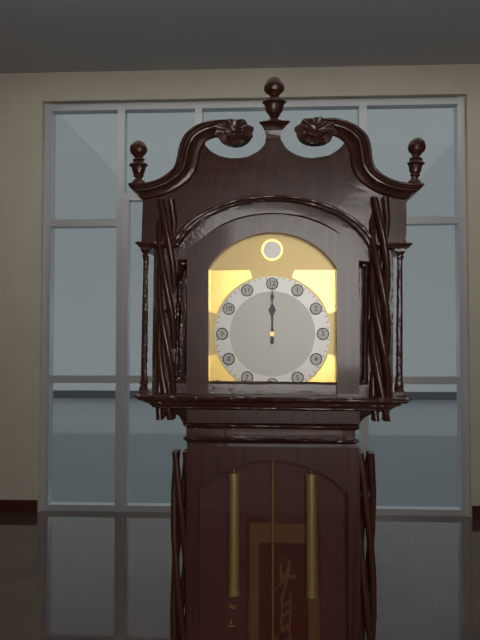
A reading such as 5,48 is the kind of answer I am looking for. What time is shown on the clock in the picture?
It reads 12,00
